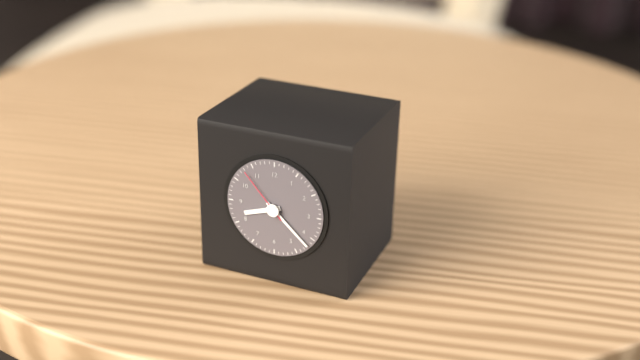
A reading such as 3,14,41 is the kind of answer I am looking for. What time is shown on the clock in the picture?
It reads 8,22,53
